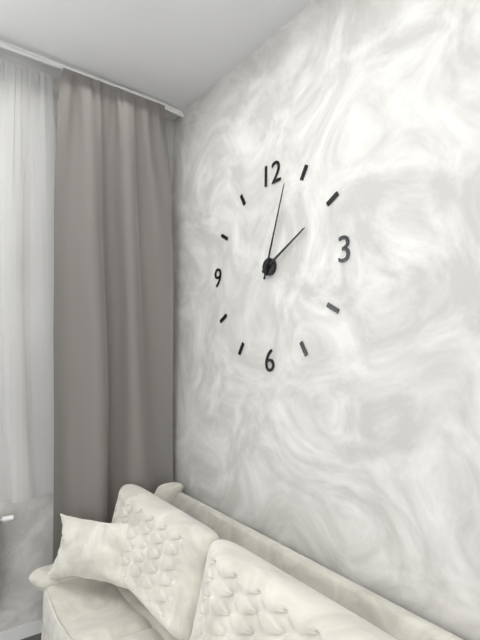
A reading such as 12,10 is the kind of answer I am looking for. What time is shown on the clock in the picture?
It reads 2,03
